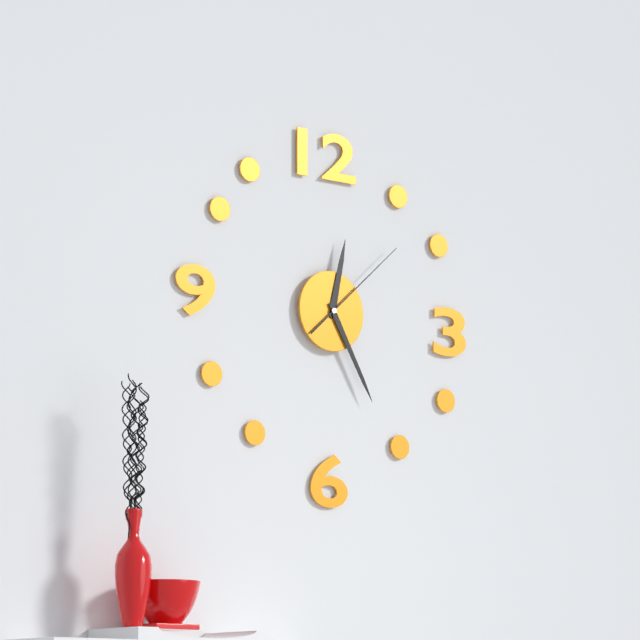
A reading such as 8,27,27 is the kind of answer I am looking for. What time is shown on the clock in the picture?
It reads 12,25,08
